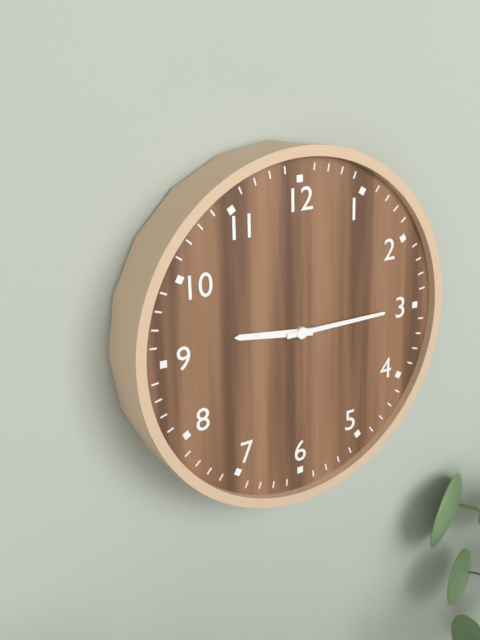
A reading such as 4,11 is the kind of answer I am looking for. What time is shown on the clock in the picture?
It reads 9,15
